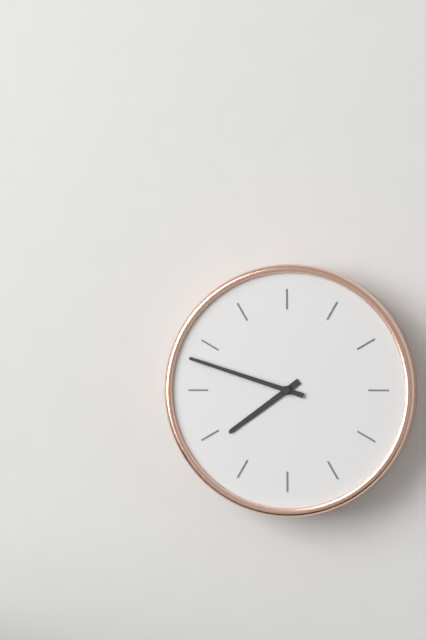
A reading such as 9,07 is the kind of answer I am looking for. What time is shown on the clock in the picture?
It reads 7,48
